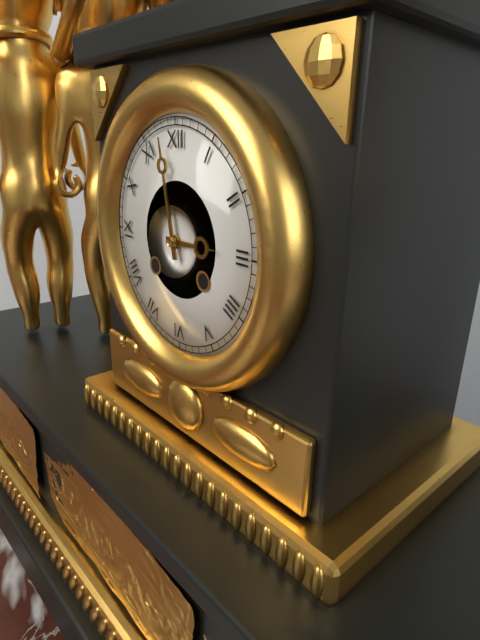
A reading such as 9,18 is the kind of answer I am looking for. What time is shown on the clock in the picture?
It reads 2,58
